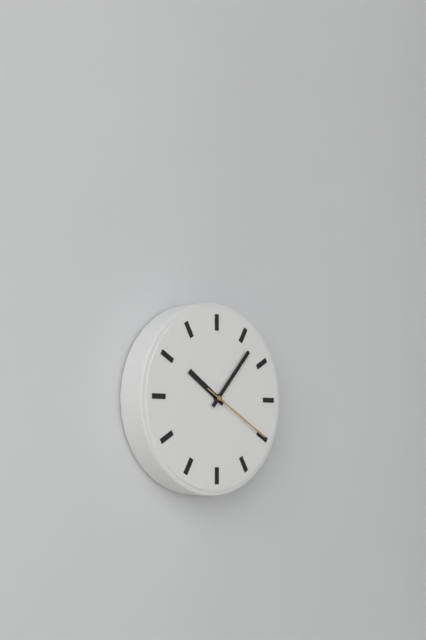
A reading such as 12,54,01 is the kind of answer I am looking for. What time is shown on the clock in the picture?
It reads 10,07,20
